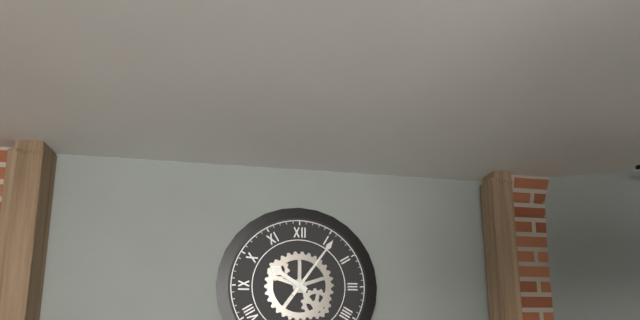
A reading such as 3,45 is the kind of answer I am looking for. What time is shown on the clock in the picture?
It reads 10,06
